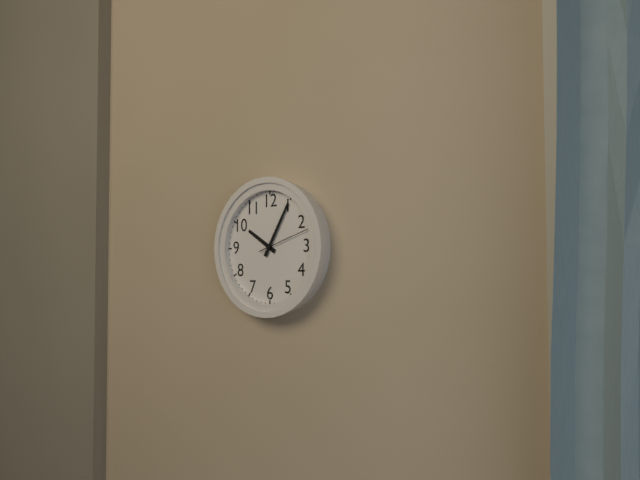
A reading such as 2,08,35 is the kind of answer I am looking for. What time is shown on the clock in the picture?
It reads 10,05,12
